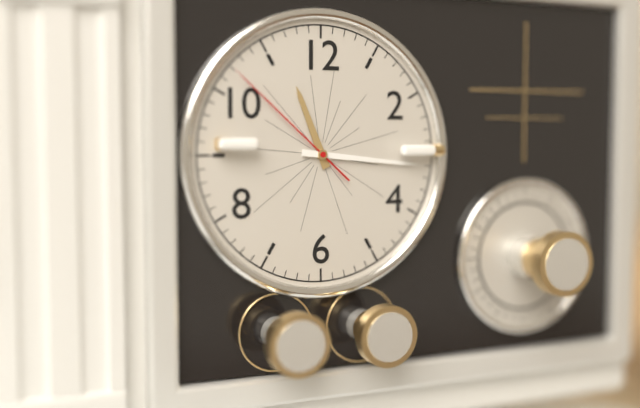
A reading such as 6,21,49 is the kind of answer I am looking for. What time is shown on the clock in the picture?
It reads 11,16,52
